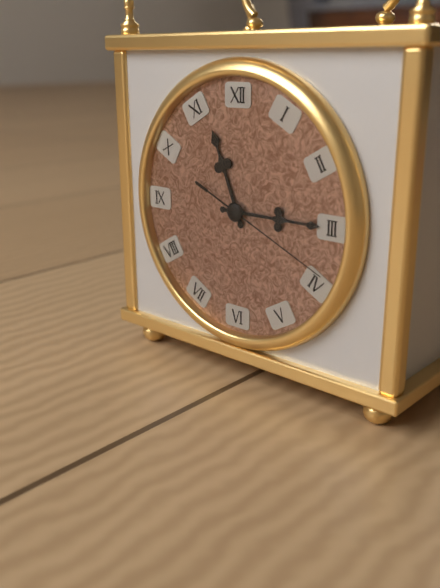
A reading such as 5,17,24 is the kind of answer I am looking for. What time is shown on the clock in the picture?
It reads 11,15,19
